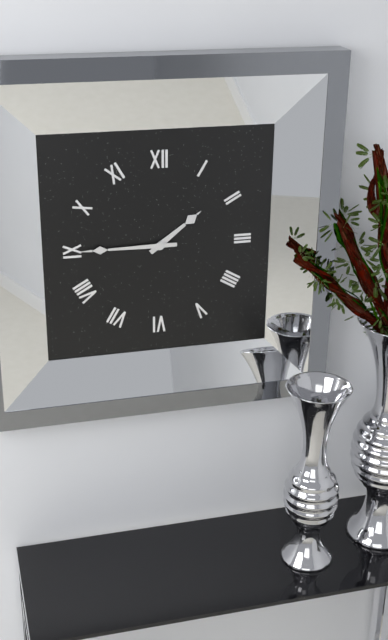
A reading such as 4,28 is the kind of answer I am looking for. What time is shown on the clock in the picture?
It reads 1,45
